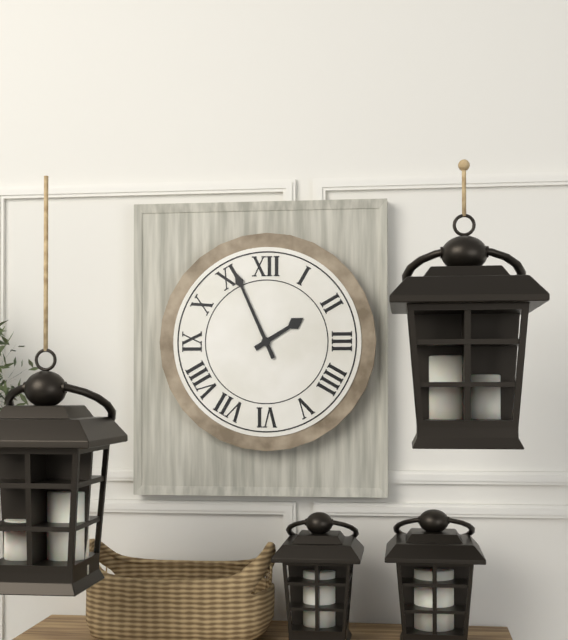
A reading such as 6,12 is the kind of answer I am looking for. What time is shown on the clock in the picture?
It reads 1,56
